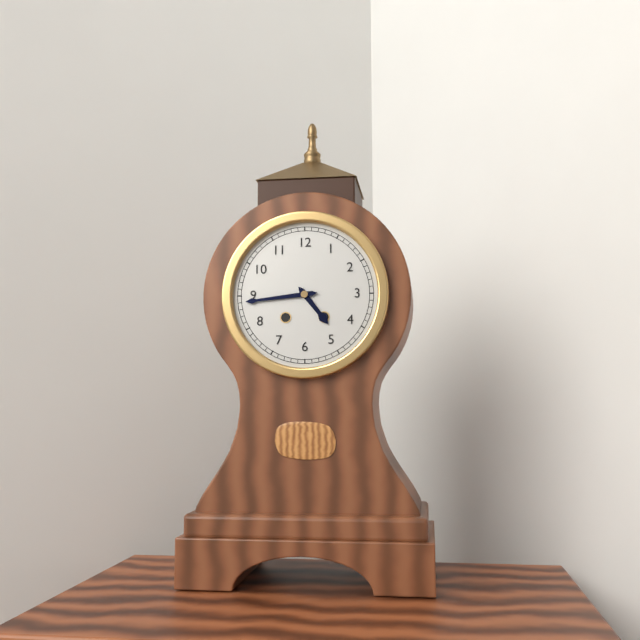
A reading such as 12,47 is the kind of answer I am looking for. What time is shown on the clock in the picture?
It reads 4,44
